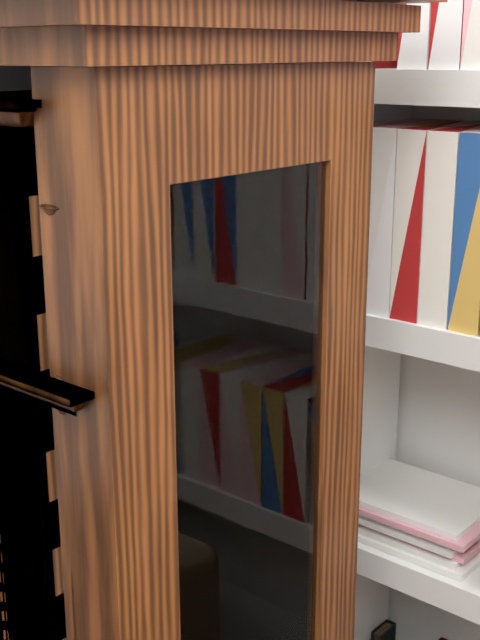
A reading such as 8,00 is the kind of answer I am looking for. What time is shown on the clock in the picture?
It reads 10,33
